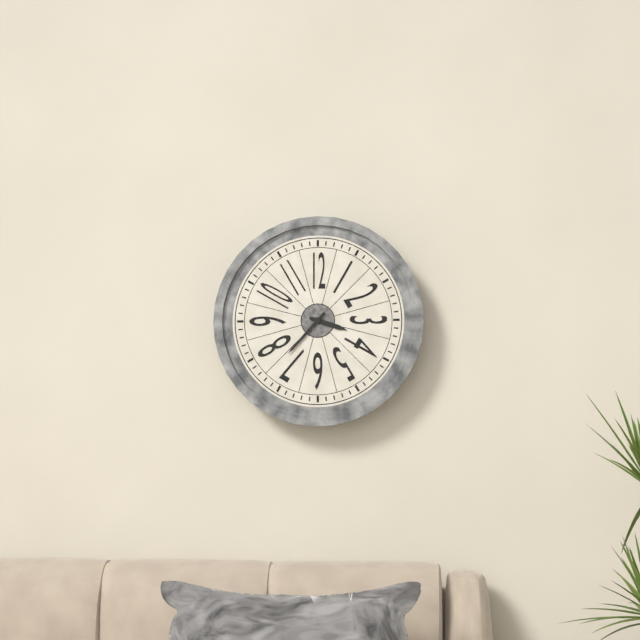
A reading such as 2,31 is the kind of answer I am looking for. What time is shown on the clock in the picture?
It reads 3,37
